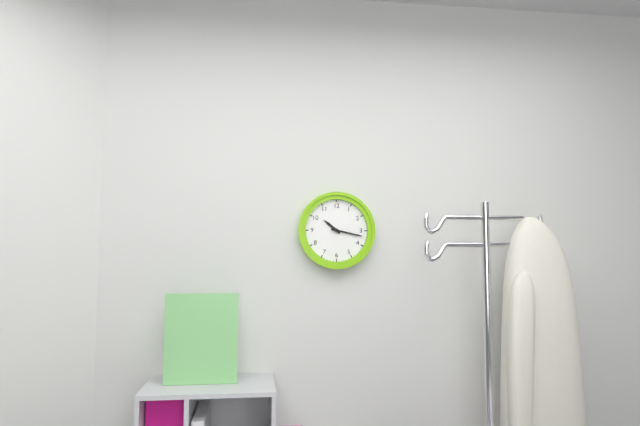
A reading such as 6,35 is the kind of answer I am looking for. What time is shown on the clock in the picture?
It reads 10,17
